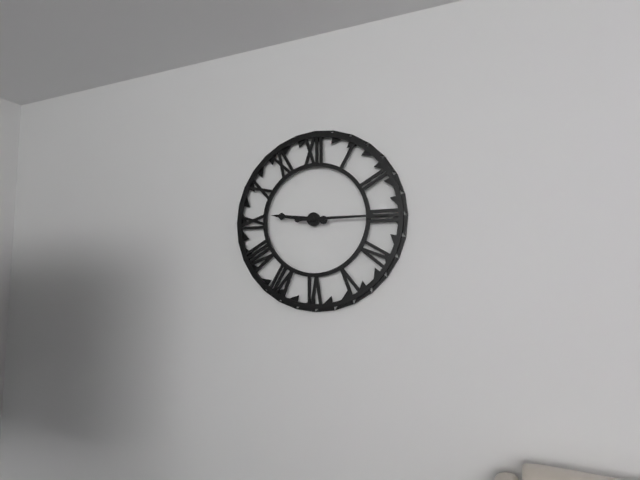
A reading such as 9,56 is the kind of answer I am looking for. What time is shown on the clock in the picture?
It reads 9,15
